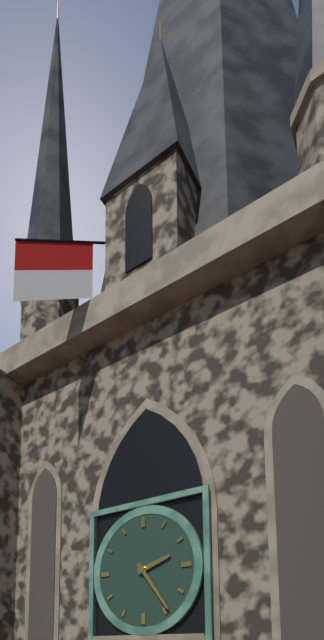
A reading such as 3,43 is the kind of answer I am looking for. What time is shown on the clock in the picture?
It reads 2,24
